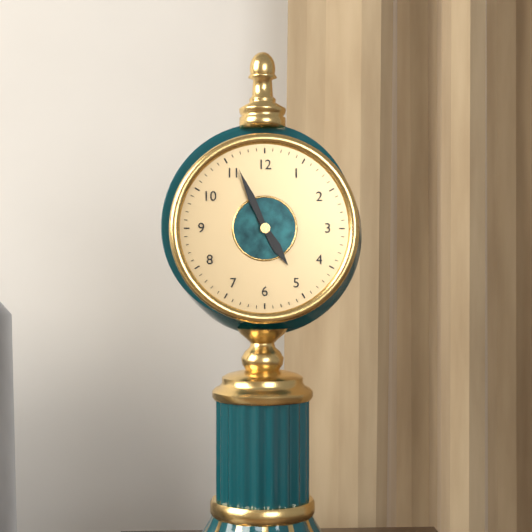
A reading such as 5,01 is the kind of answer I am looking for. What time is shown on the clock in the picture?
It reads 4,56
